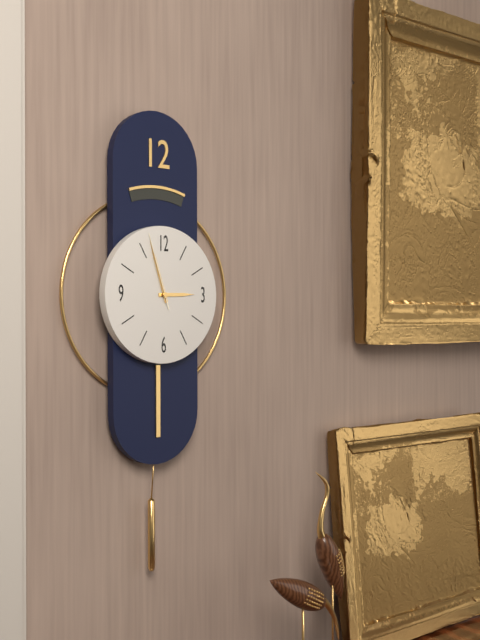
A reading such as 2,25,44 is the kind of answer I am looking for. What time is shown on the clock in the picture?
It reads 2,57,57
